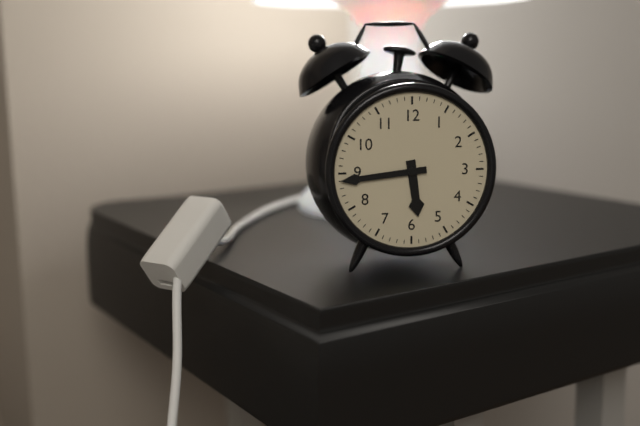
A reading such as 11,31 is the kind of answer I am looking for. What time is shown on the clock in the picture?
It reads 5,44
